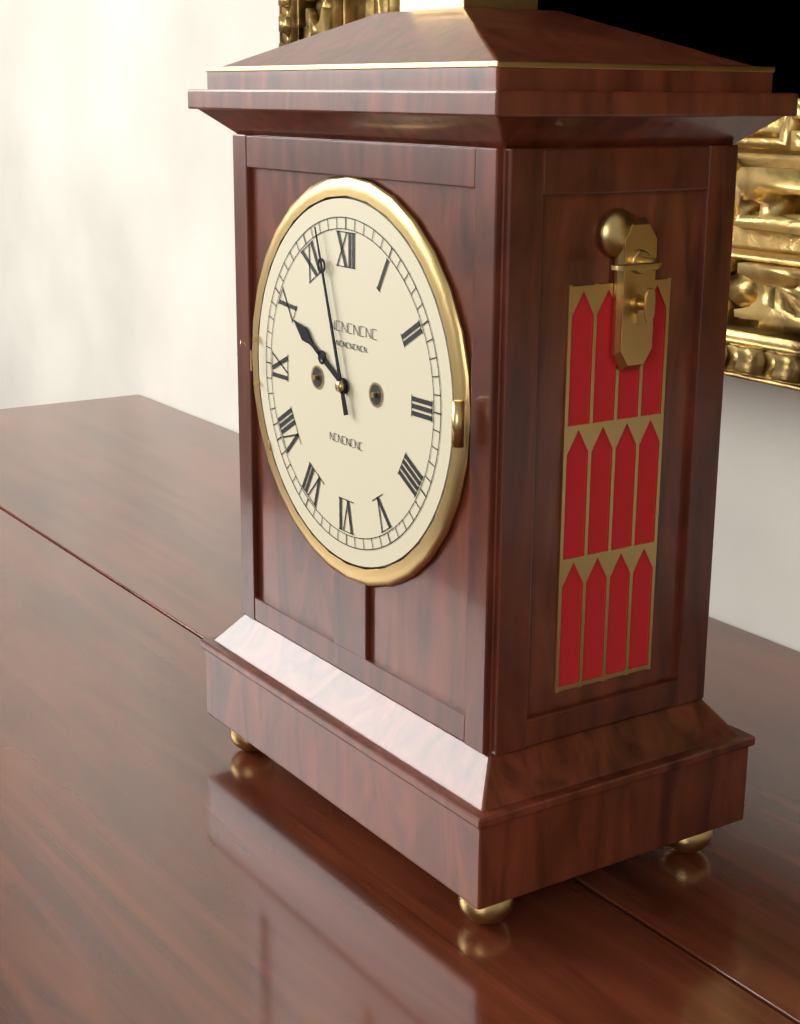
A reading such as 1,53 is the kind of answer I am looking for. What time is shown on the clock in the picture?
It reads 9,57
